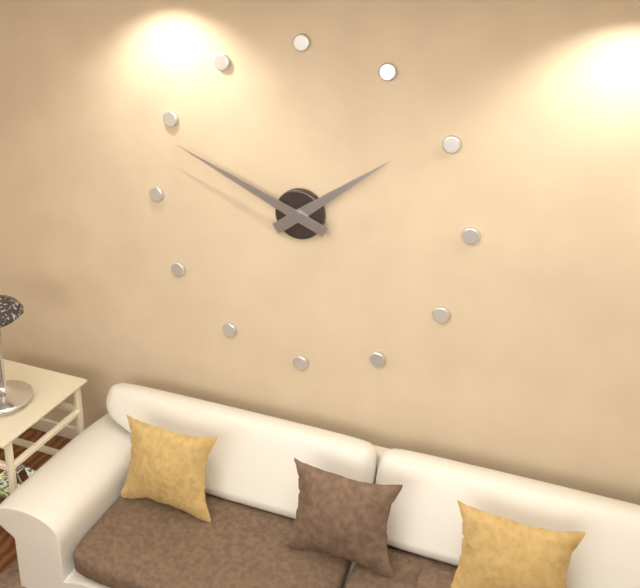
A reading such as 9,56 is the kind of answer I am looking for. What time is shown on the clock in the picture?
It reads 1,49
